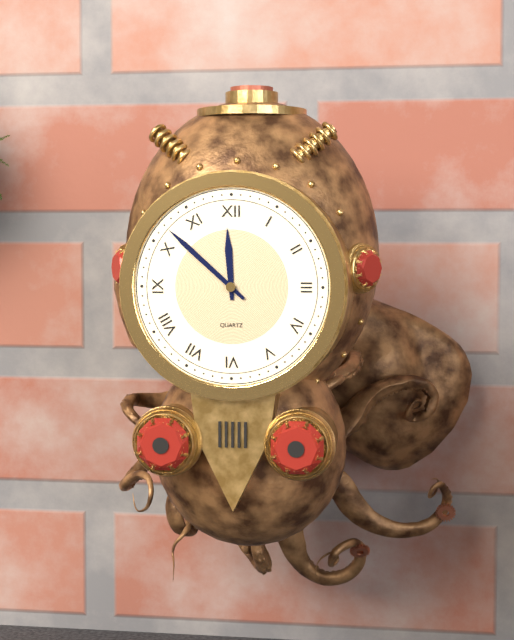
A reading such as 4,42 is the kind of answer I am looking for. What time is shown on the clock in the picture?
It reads 11,52
